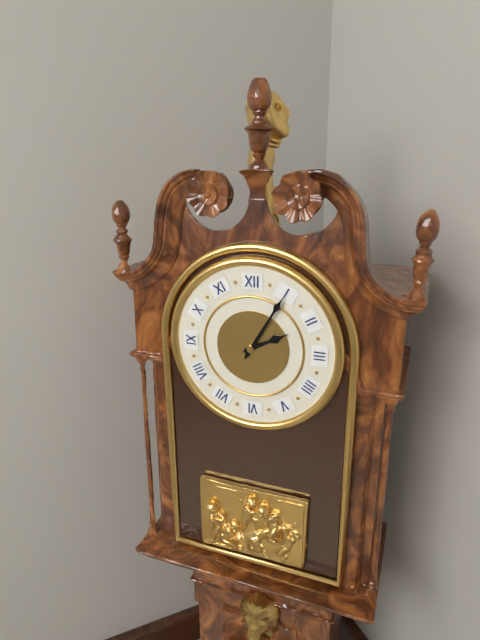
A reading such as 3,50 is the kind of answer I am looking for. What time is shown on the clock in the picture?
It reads 2,05
